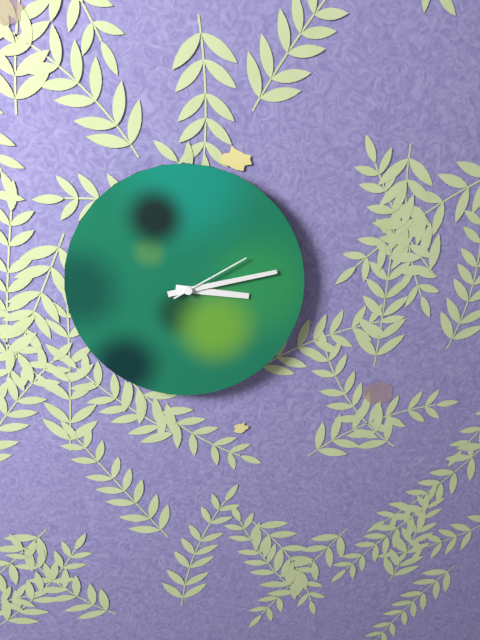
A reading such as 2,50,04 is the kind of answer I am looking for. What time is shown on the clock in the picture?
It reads 3,13,10
